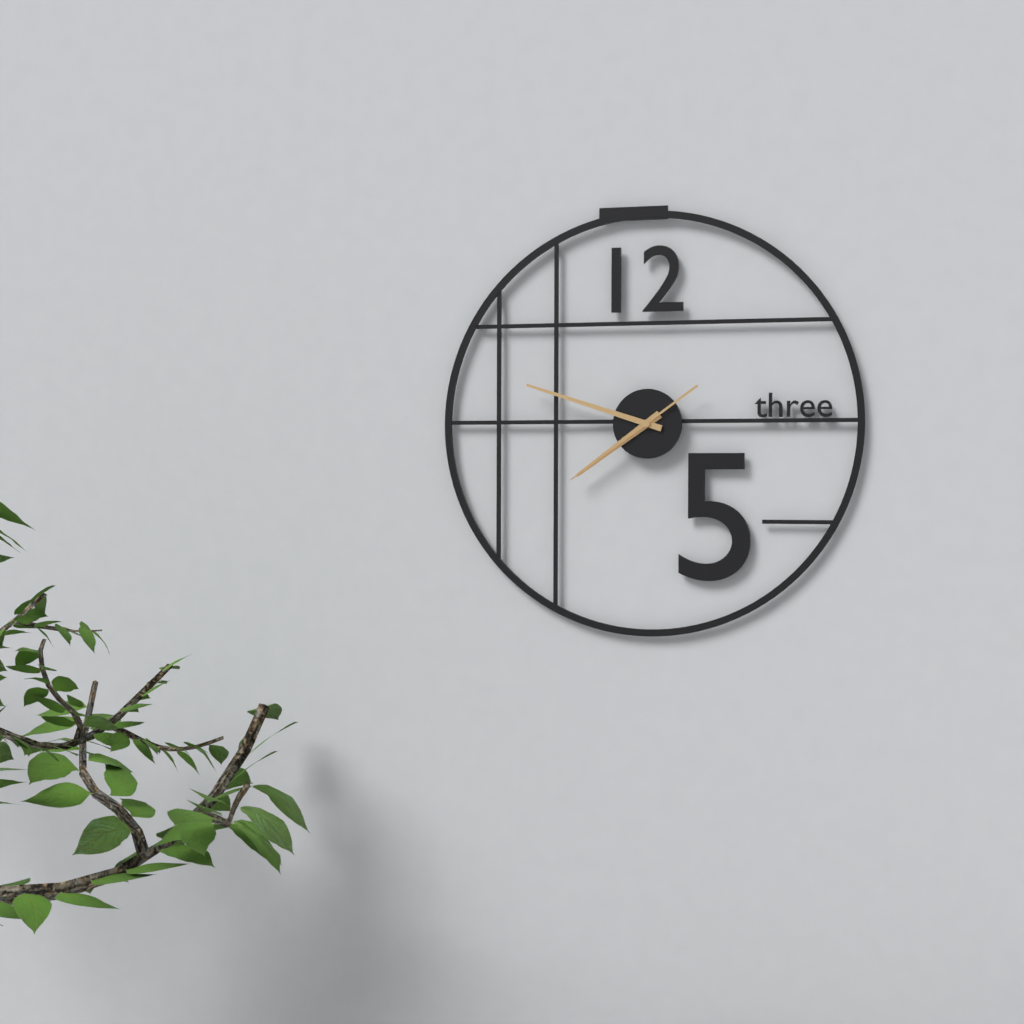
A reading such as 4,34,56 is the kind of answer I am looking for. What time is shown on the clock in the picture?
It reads 7,48,39
